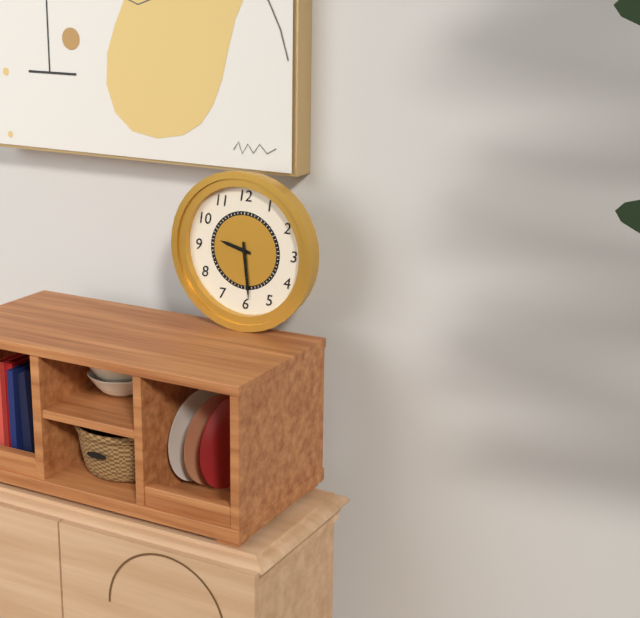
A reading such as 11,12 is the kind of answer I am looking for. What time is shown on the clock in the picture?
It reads 9,29
